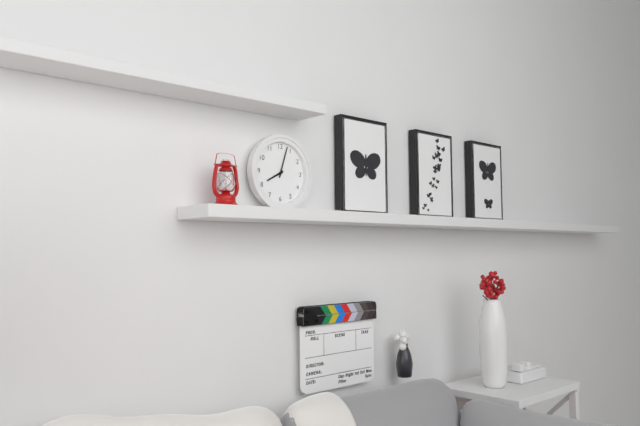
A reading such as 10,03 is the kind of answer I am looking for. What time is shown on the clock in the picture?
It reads 8,03
